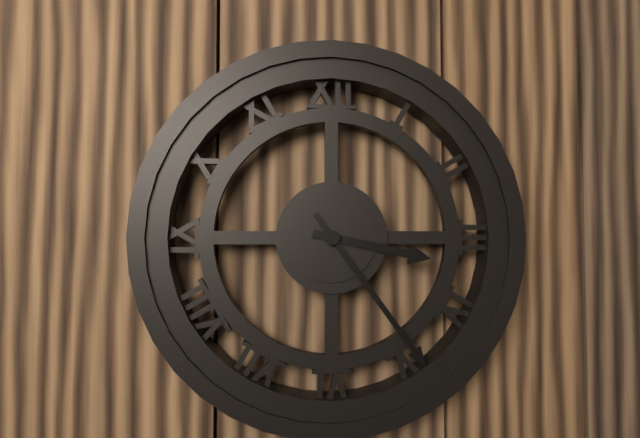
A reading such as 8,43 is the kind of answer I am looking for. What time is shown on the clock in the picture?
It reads 3,24
